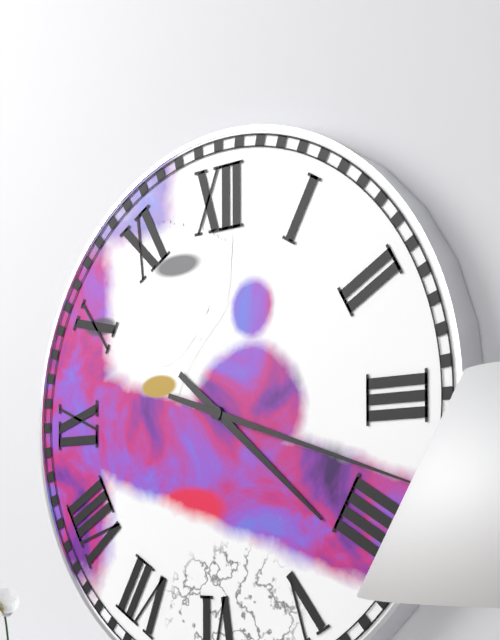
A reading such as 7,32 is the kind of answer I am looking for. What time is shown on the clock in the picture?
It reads 4,18
